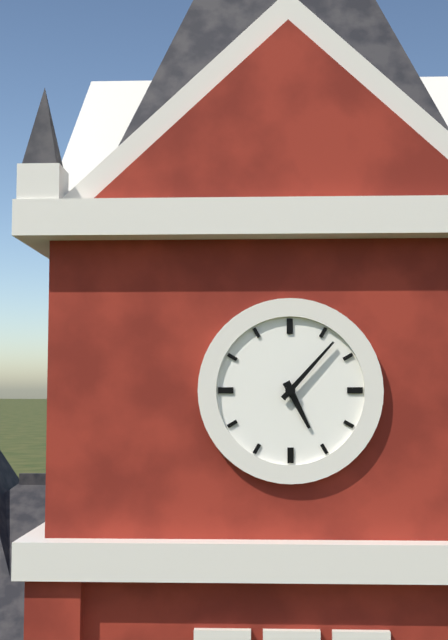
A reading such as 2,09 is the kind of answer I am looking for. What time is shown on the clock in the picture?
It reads 5,07
